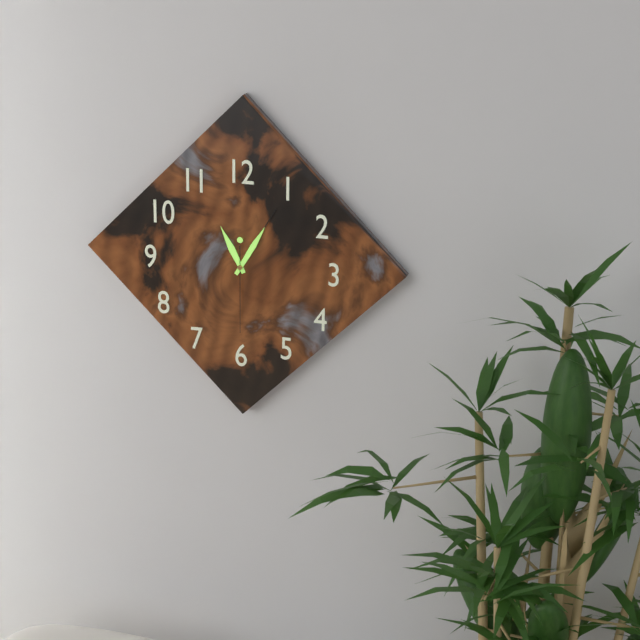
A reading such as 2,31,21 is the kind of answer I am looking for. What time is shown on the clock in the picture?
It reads 11,05,30
